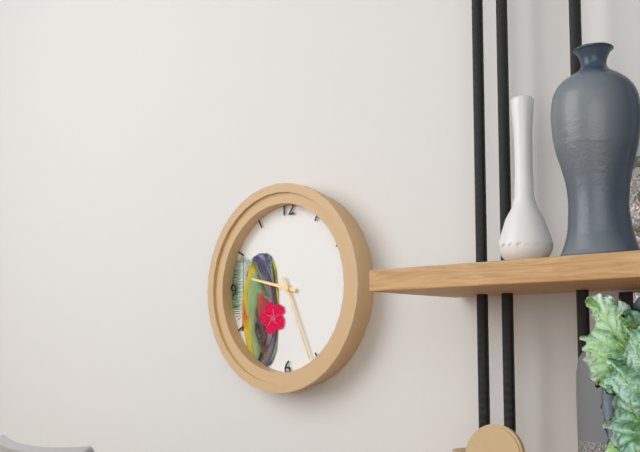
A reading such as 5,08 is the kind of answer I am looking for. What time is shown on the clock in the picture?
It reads 9,26
